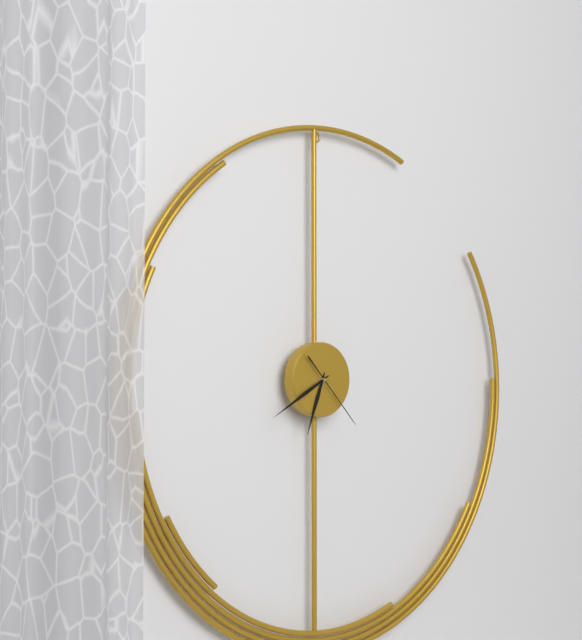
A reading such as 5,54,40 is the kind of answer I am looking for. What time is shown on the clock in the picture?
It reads 6,40,23
